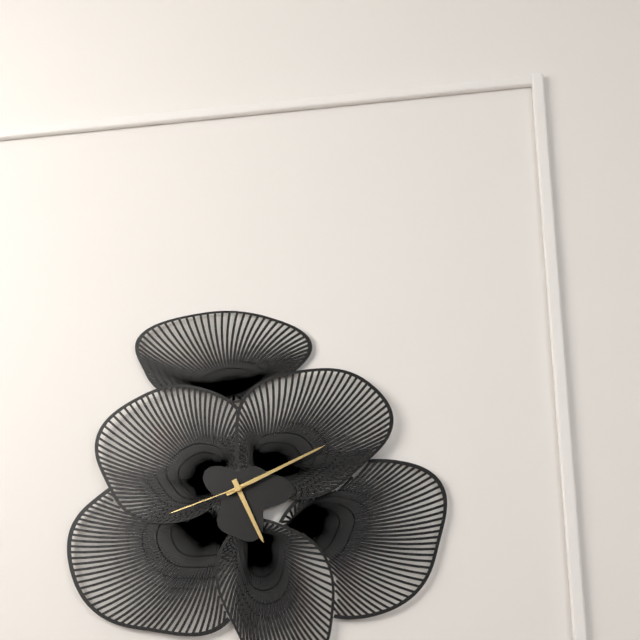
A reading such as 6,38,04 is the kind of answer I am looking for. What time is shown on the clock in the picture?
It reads 5,11,42
